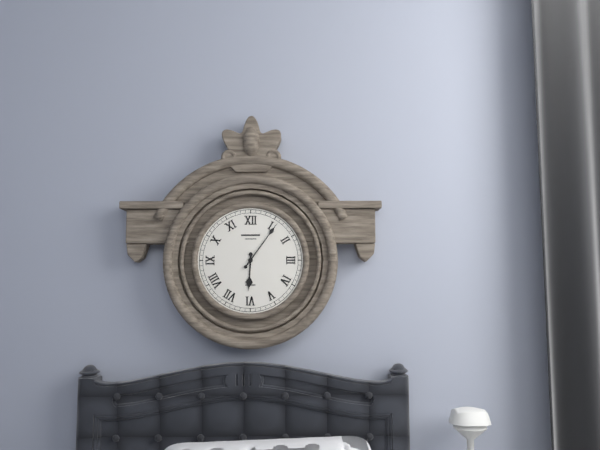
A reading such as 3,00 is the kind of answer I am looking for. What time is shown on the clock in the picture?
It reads 6,06
